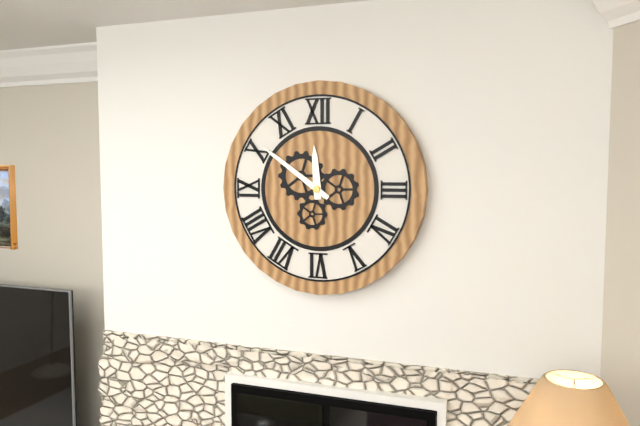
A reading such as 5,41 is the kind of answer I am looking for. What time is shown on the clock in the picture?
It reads 11,51
